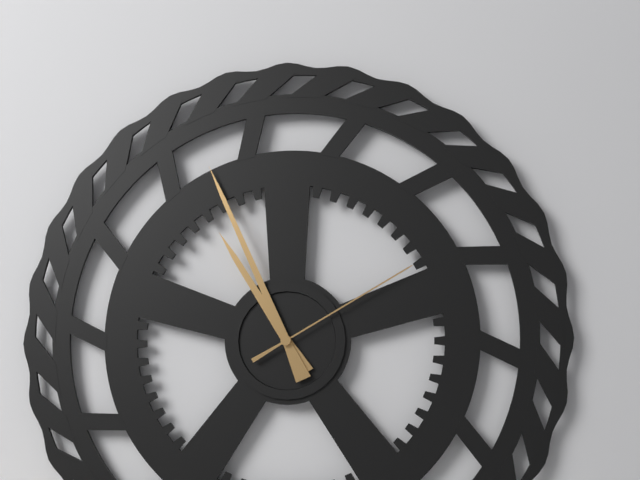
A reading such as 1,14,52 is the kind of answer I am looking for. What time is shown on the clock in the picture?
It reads 10,56,10
